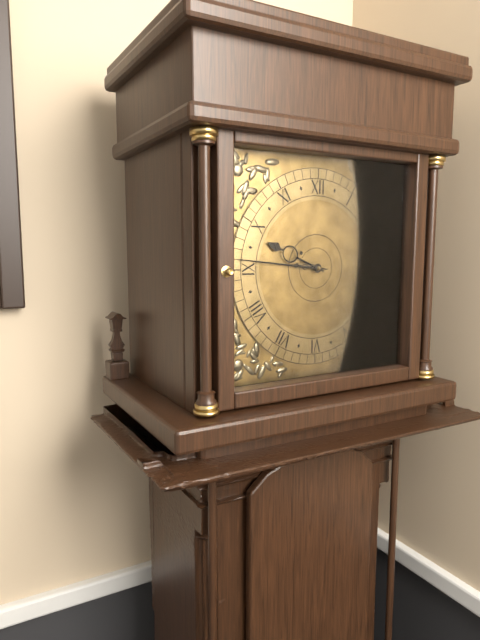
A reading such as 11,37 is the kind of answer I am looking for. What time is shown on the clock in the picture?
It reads 9,46
